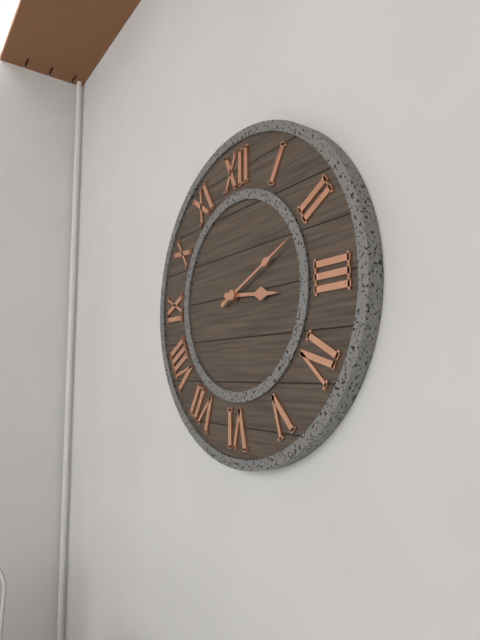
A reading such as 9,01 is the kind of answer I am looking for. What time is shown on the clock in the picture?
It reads 3,11
